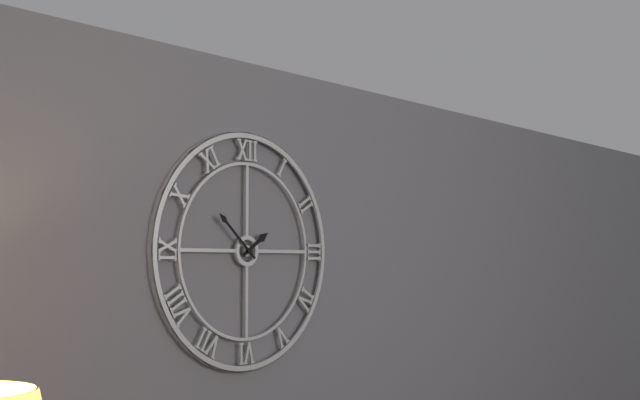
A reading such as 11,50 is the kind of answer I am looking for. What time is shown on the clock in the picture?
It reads 1,52
